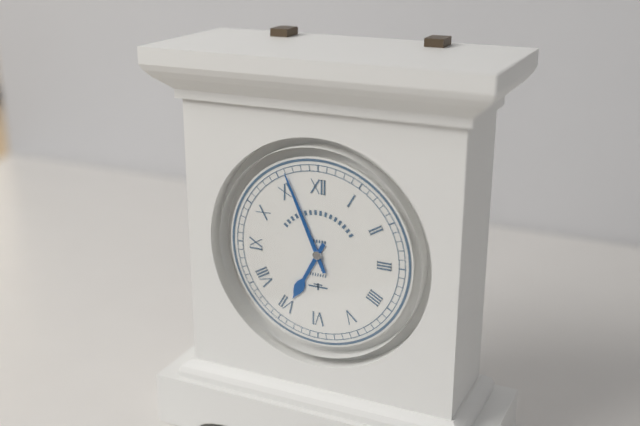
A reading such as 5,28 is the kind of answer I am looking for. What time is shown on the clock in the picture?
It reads 6,56
